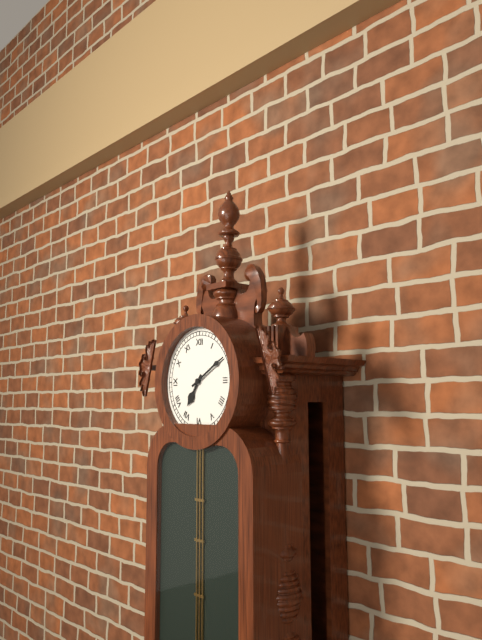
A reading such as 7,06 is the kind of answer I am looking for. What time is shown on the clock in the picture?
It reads 7,10
